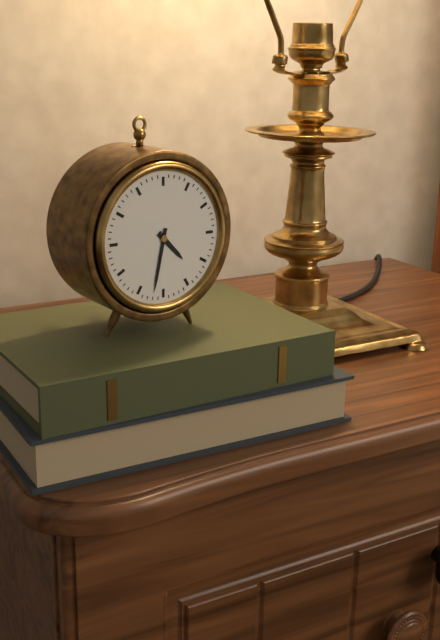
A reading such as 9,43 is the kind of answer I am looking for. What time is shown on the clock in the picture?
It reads 4,32
